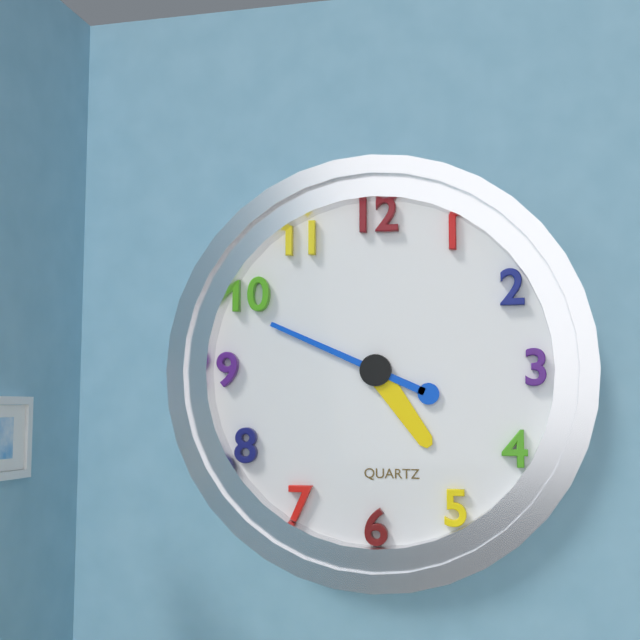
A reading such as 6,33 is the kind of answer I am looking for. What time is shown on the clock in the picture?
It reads 4,49
